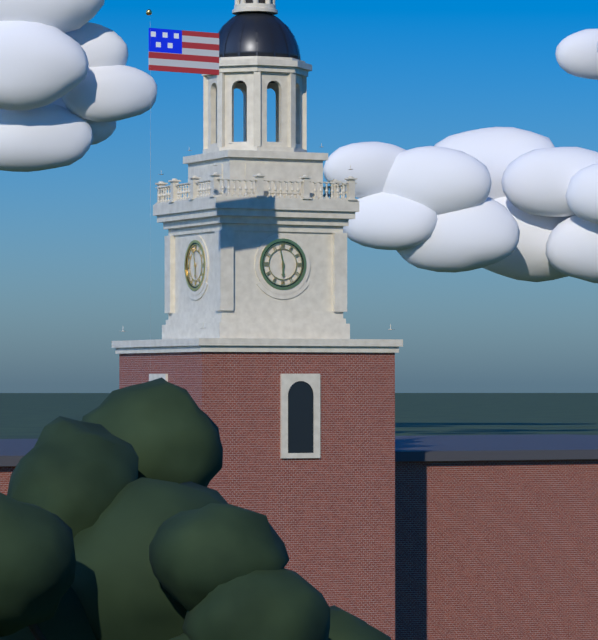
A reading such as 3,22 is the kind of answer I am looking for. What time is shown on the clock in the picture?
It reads 5,58
